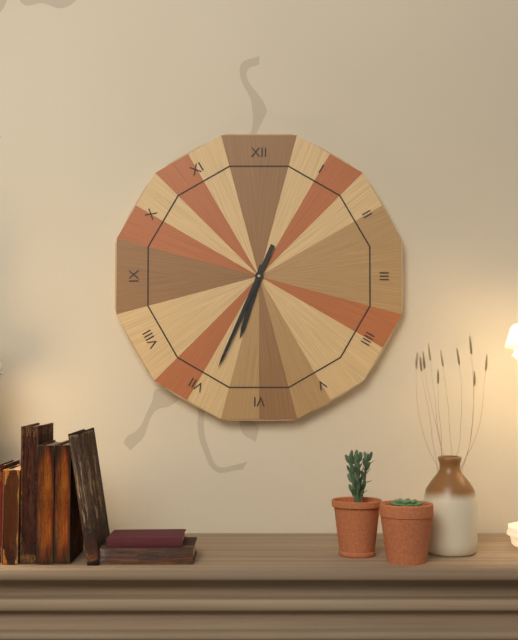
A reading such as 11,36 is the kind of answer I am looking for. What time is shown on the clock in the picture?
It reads 6,34
